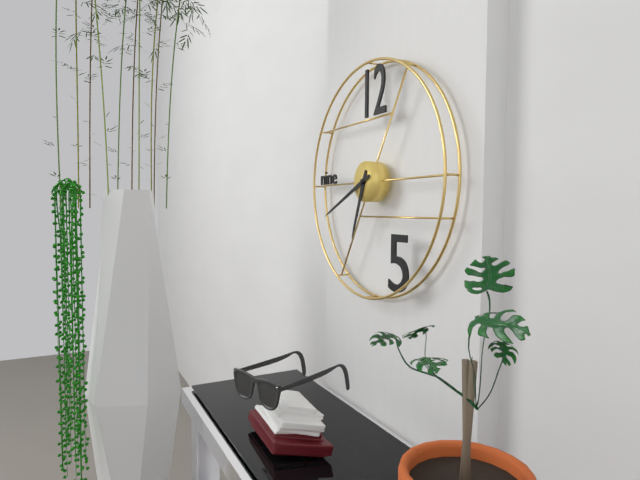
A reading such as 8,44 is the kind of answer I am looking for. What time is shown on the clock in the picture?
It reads 6,41
